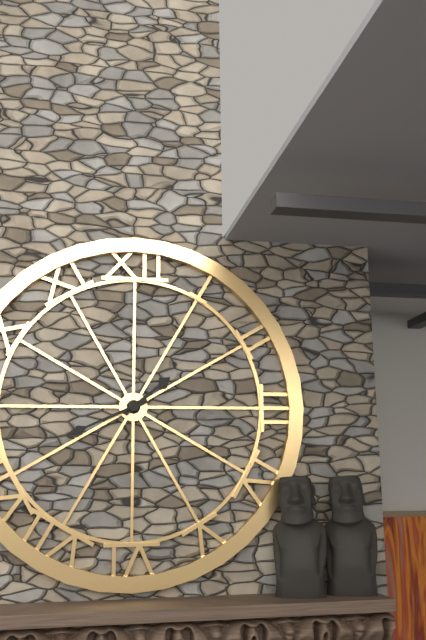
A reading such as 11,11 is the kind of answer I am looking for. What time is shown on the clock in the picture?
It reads 1,41
